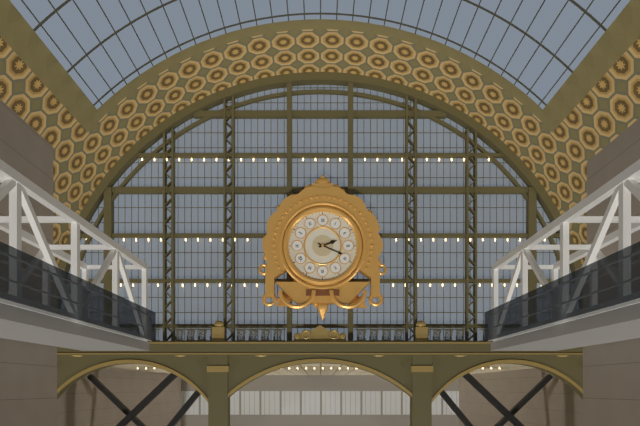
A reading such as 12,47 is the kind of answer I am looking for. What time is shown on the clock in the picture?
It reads 2,19
